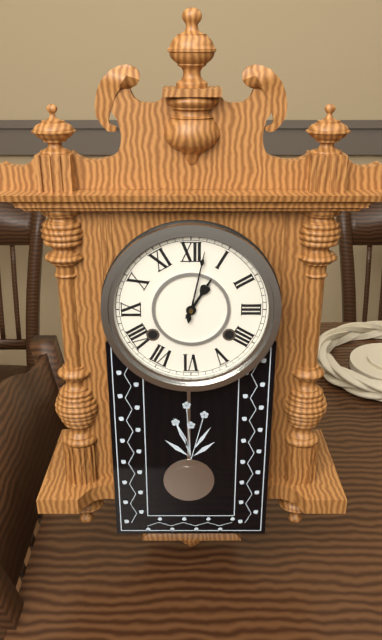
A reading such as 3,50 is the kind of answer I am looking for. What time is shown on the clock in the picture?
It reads 1,02
